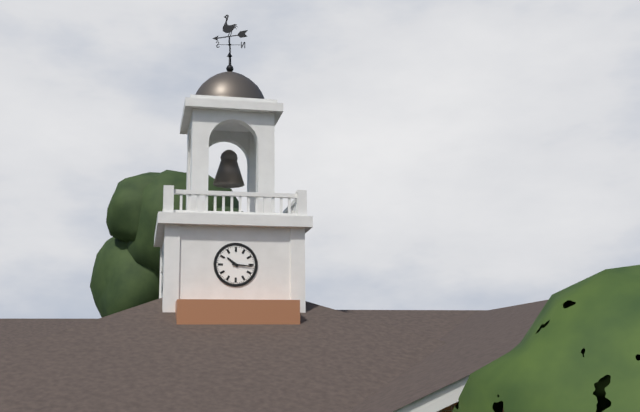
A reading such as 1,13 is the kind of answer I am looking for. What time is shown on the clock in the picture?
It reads 10,16
